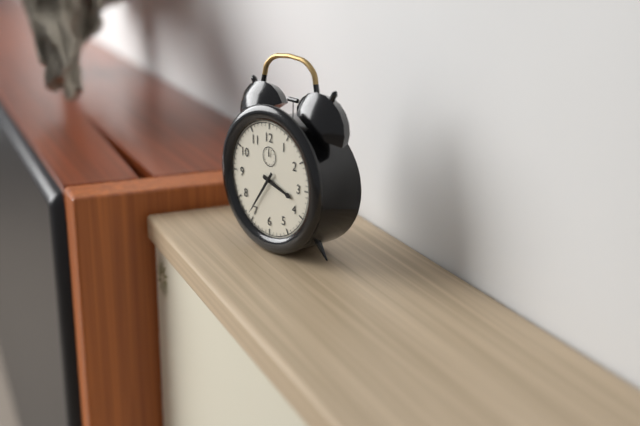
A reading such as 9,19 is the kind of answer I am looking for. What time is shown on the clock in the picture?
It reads 3,36
